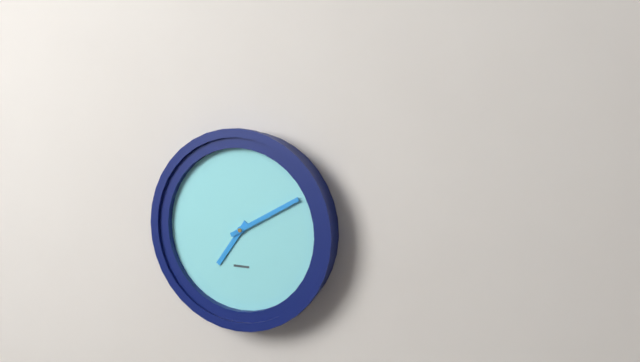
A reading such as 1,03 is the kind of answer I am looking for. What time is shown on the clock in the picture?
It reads 7,10
